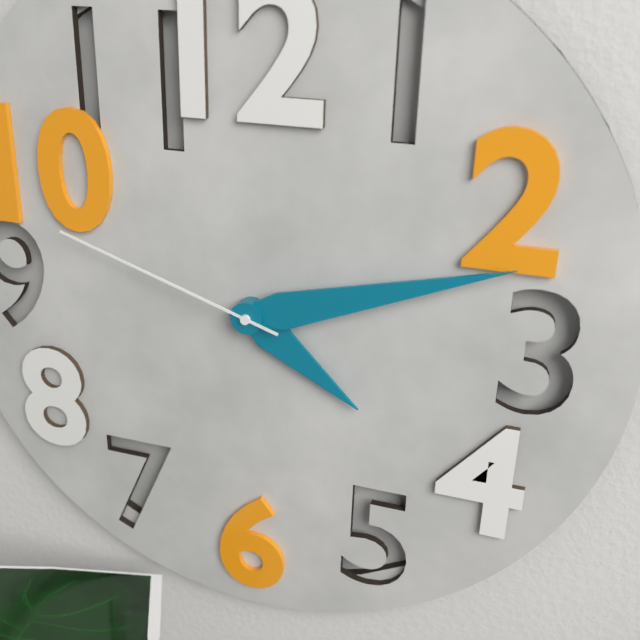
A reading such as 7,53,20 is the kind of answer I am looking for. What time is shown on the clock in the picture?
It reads 4,12,48
